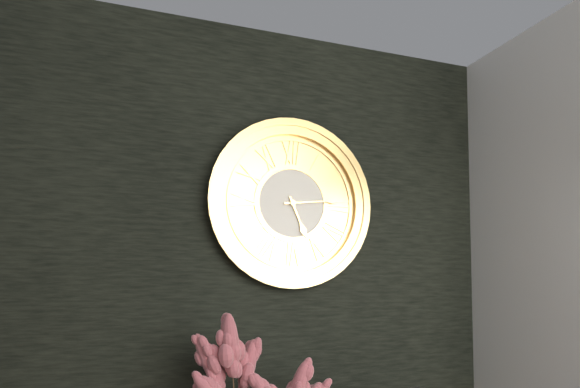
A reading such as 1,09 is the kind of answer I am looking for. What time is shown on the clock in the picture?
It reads 5,14
